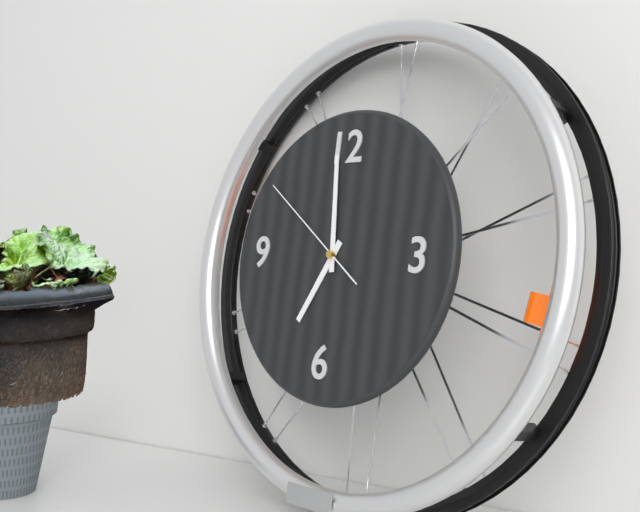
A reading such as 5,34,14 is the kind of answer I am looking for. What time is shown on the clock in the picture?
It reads 6,59,51
